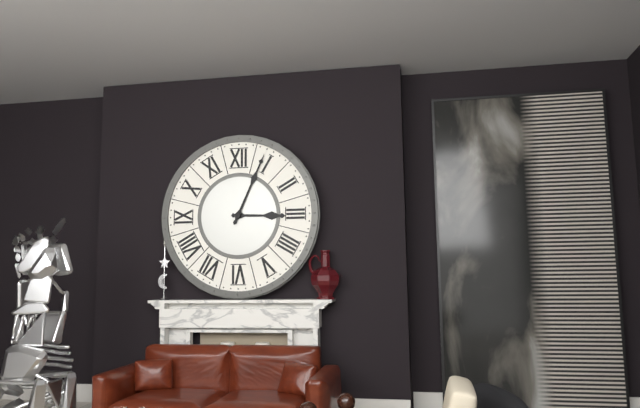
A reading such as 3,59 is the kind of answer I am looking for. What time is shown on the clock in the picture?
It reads 3,04
